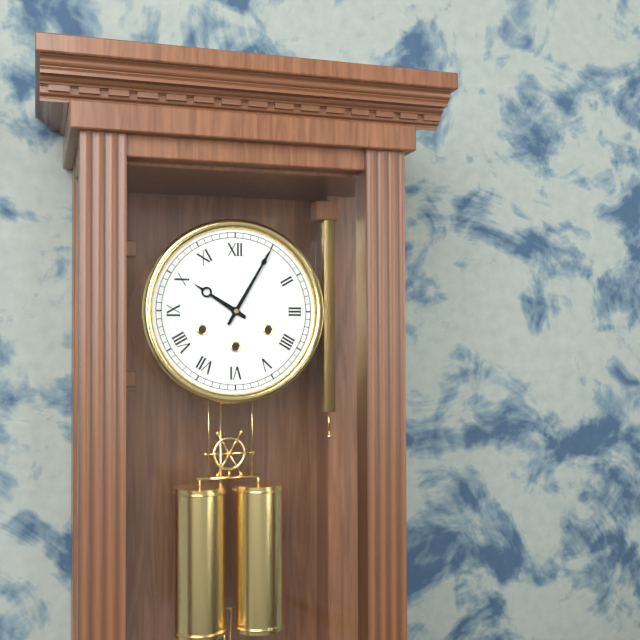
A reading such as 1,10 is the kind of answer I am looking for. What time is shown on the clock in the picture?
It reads 10,05
